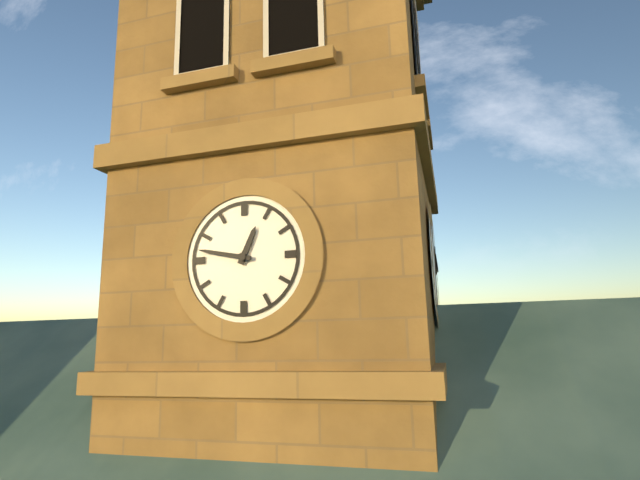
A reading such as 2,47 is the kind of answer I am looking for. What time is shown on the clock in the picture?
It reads 12,47
